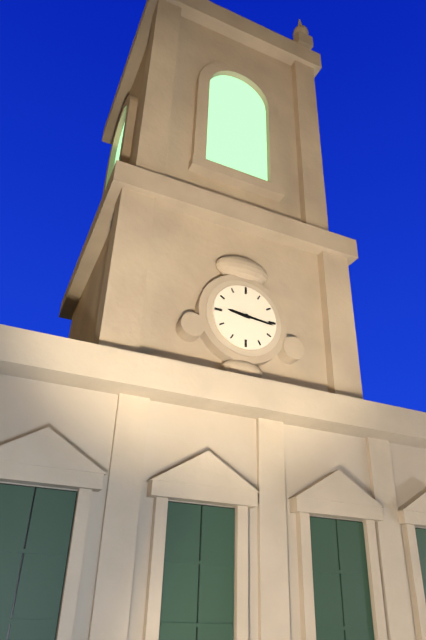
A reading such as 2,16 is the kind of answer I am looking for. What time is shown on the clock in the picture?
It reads 9,16
